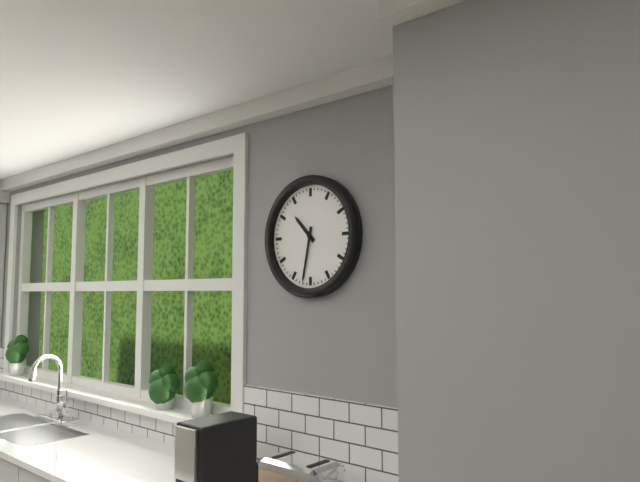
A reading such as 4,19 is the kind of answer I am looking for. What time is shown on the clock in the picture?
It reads 10,32
